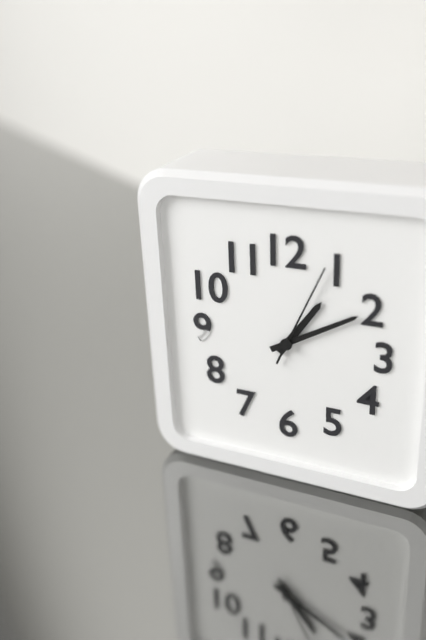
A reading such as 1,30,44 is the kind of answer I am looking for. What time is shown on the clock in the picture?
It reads 1,10,04
